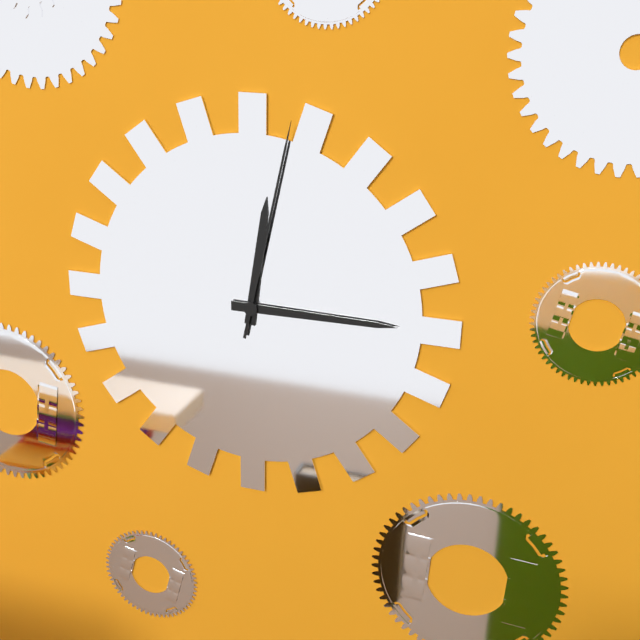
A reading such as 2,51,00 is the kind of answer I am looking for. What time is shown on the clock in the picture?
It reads 12,15,02
